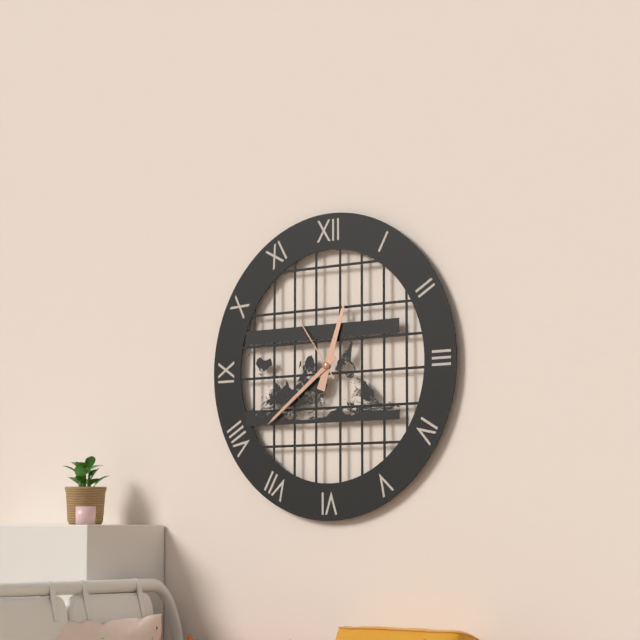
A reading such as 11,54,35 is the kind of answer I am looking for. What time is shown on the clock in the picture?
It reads 12,39,54
